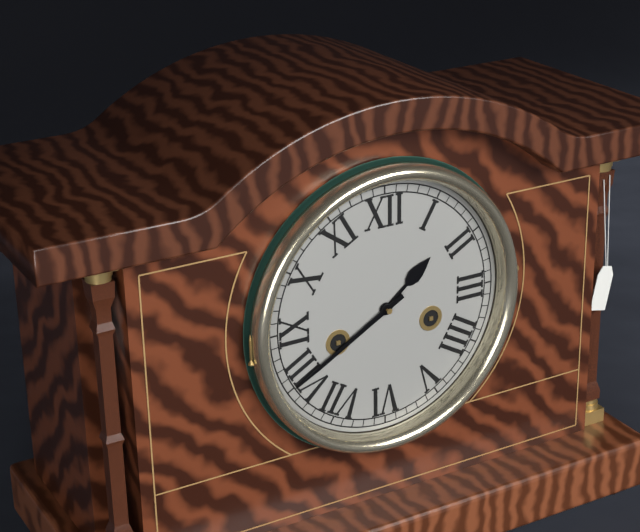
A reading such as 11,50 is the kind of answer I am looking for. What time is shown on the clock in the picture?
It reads 1,40
